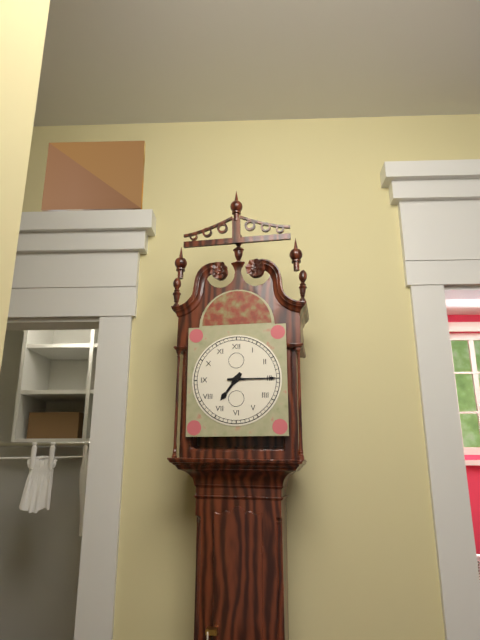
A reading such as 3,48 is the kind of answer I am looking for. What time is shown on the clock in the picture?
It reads 7,15
